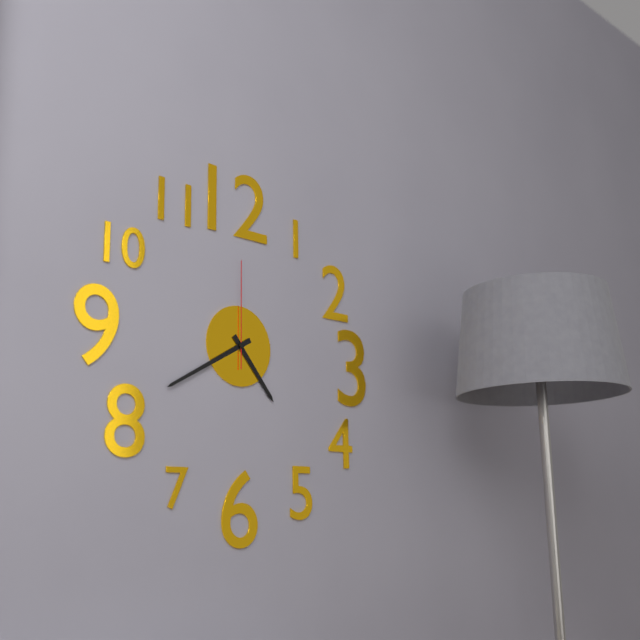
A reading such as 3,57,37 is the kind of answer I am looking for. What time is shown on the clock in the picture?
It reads 4,40,00
